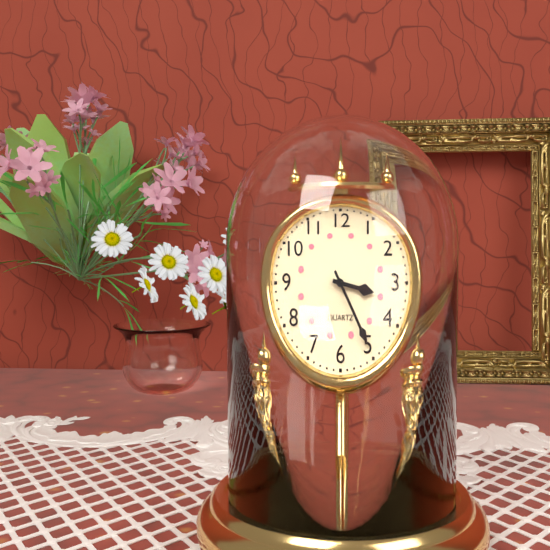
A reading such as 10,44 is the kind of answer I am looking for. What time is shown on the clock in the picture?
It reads 3,25
